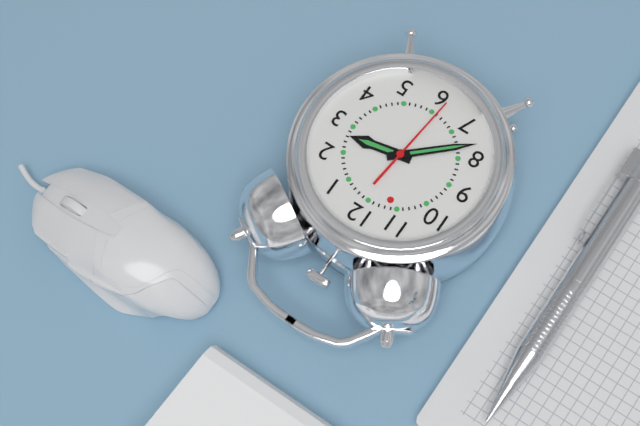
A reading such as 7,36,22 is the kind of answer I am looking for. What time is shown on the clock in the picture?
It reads 2,38,31
